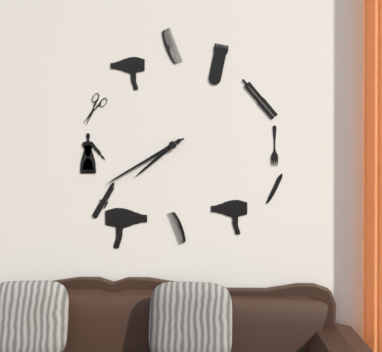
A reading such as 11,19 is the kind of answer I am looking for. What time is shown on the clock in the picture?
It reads 7,40
